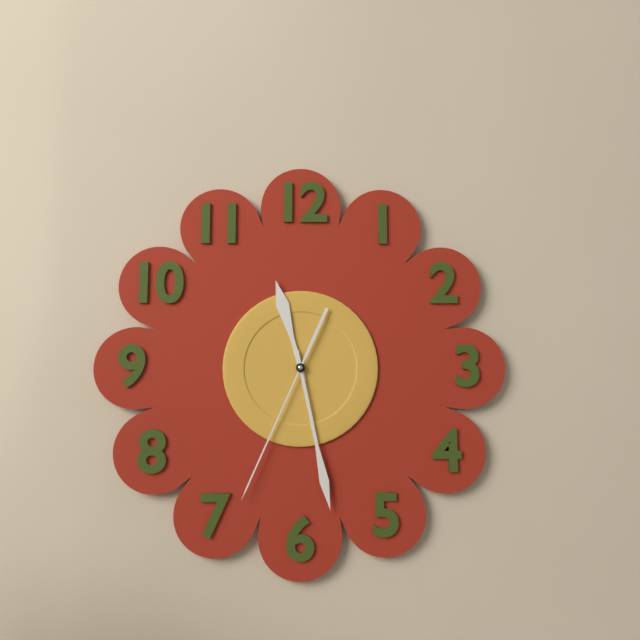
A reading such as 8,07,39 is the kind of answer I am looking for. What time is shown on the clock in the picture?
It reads 11,28,34
